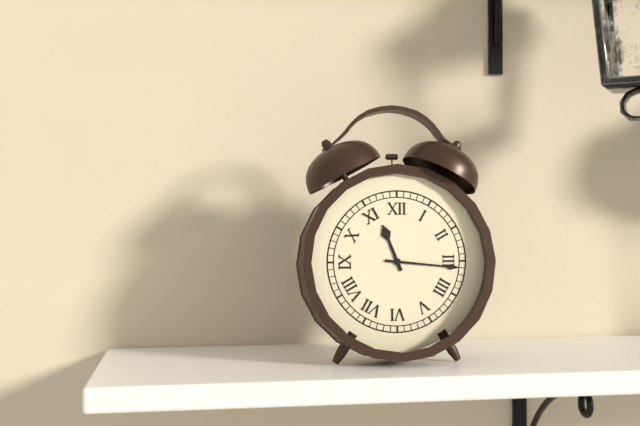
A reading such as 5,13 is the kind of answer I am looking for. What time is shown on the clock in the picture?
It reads 11,16
